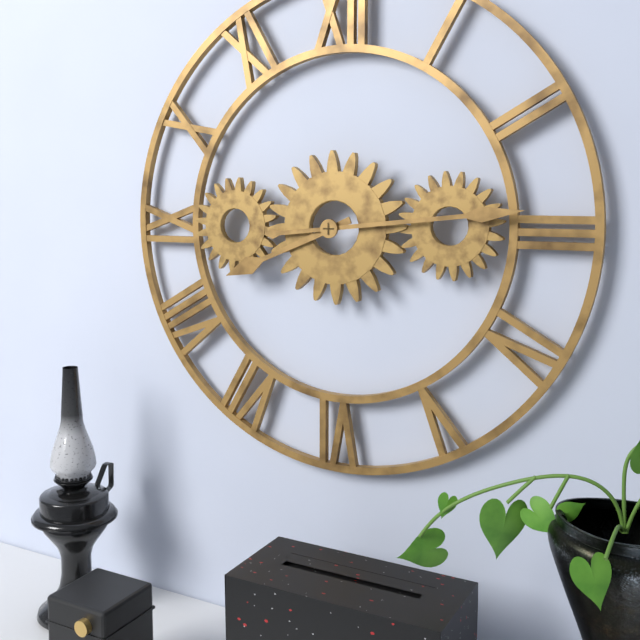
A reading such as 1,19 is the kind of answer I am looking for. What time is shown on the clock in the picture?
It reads 8,14
